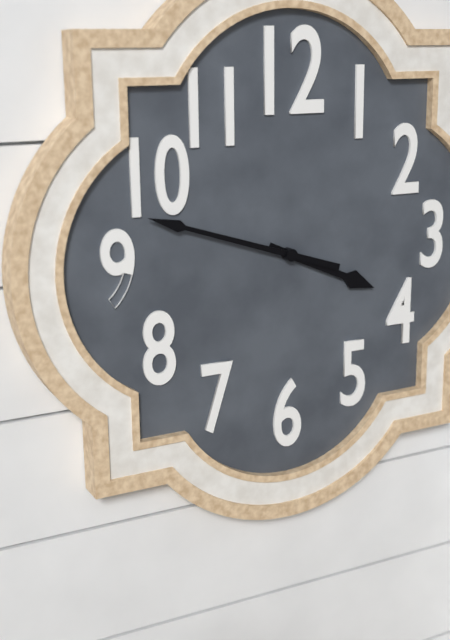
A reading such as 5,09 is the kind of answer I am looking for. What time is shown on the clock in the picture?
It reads 3,48
